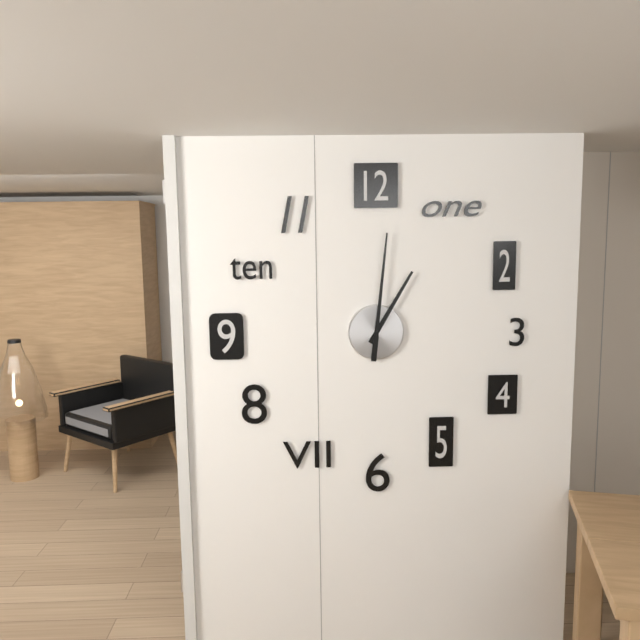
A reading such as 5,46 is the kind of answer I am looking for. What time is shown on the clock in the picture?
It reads 1,01
